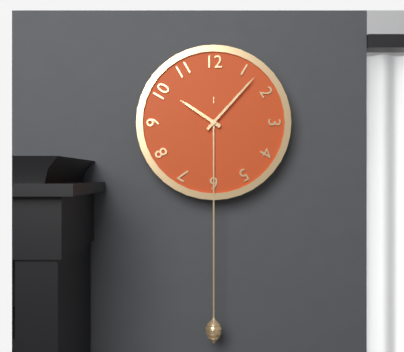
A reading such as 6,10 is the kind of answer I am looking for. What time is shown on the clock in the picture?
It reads 10,07
